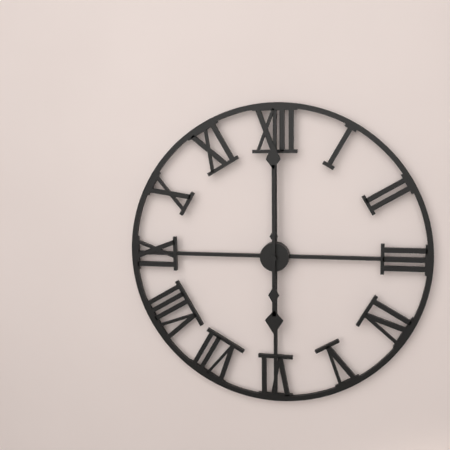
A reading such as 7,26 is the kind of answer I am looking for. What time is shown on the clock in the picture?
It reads 6,00
